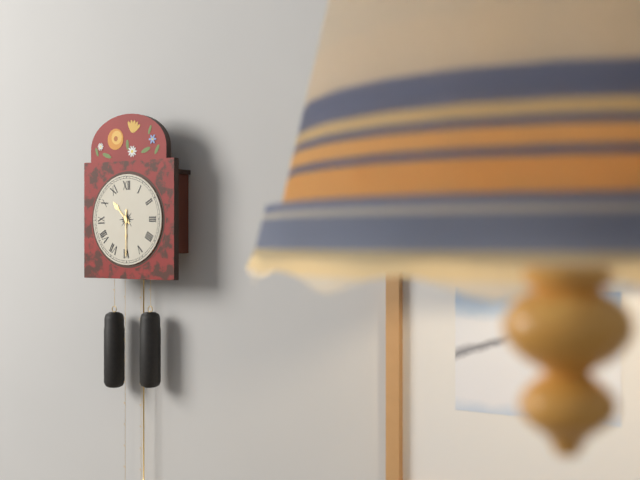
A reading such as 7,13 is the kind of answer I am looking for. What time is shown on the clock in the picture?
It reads 10,30
